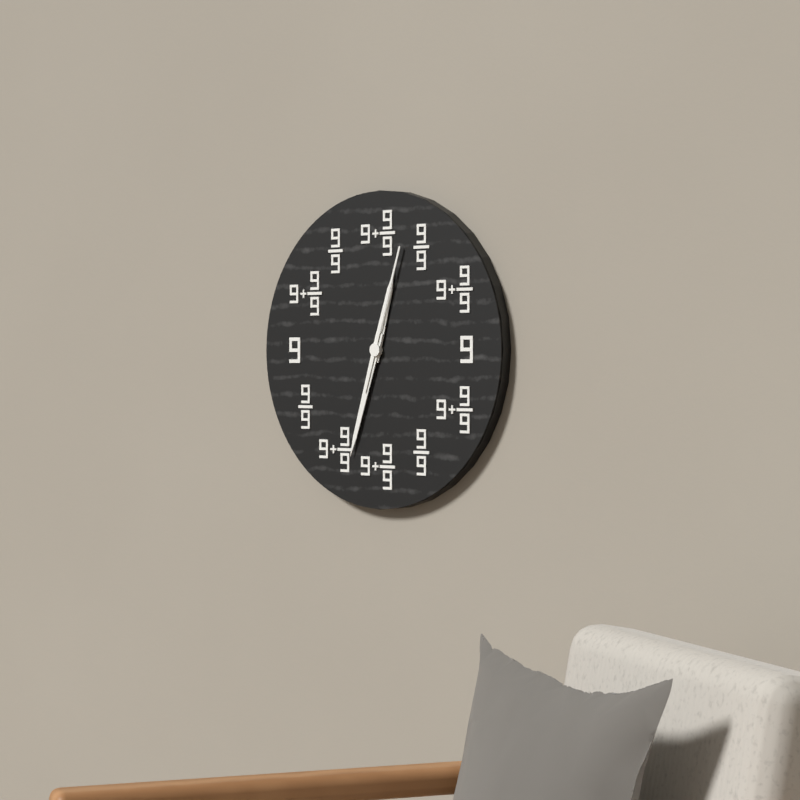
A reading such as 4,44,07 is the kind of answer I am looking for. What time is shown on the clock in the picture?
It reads 12,33,03
